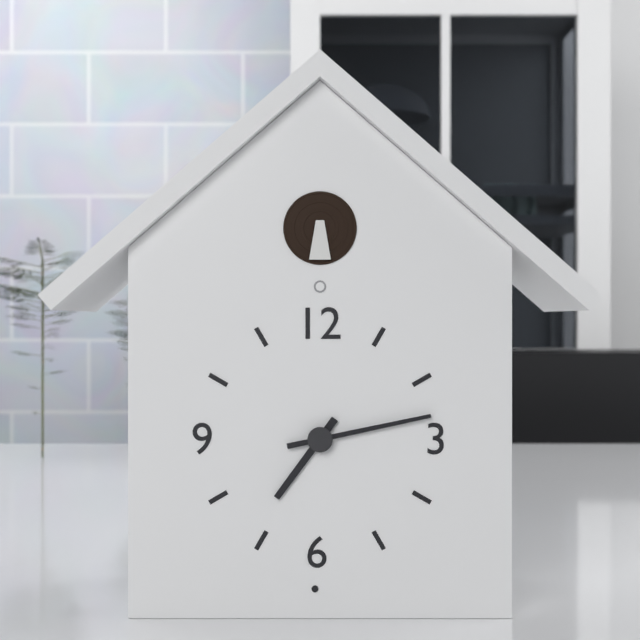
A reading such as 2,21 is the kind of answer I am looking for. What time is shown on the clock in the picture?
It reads 7,13
